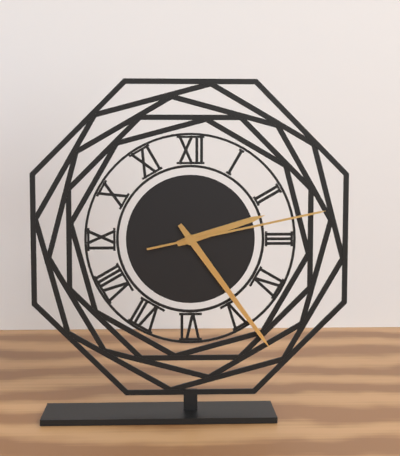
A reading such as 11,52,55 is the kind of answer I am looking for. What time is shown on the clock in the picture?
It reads 2,24,13
